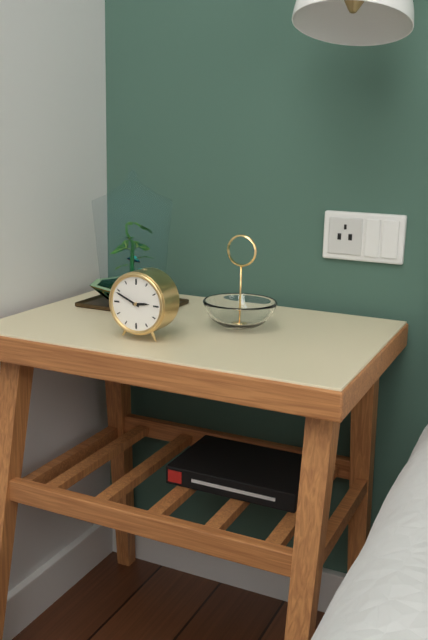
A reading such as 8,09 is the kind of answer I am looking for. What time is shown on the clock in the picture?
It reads 2,49
